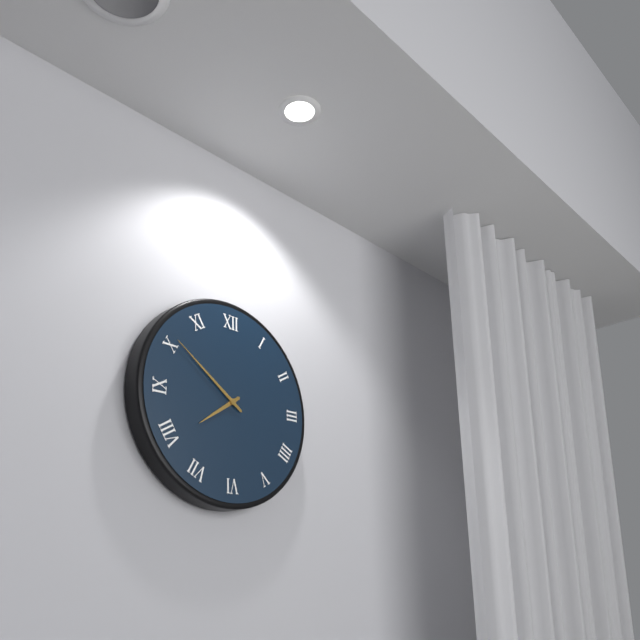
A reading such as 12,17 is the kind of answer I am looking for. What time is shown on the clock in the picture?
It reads 7,51
